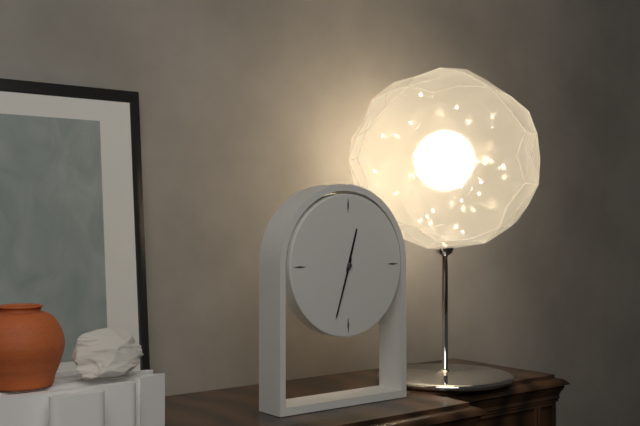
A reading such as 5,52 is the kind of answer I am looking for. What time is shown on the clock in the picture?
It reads 12,33
